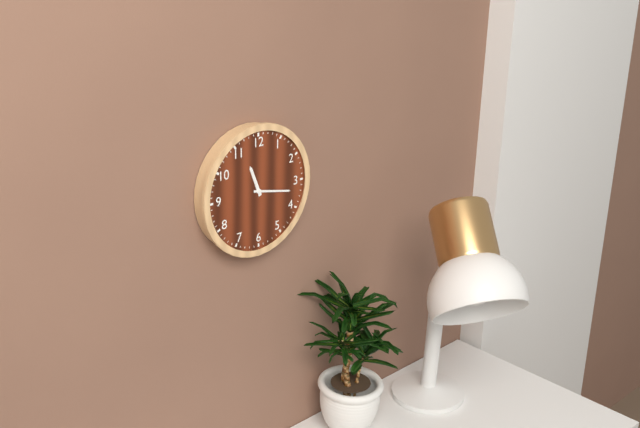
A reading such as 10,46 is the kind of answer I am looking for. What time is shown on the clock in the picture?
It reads 11,17
